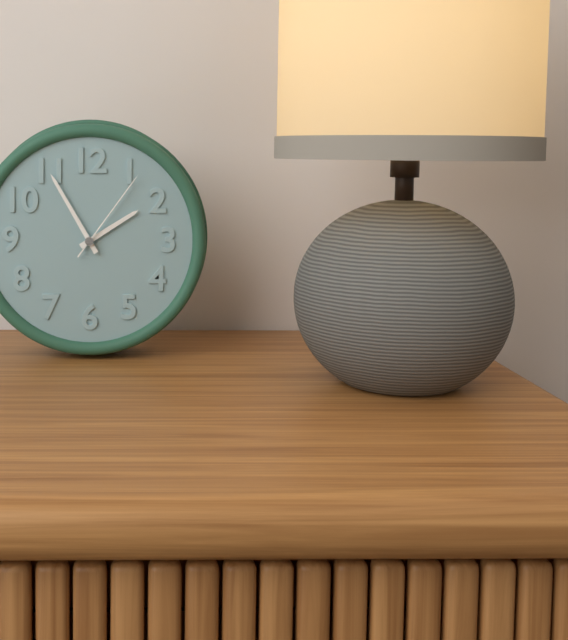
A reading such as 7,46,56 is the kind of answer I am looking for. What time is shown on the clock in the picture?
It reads 1,55,06
